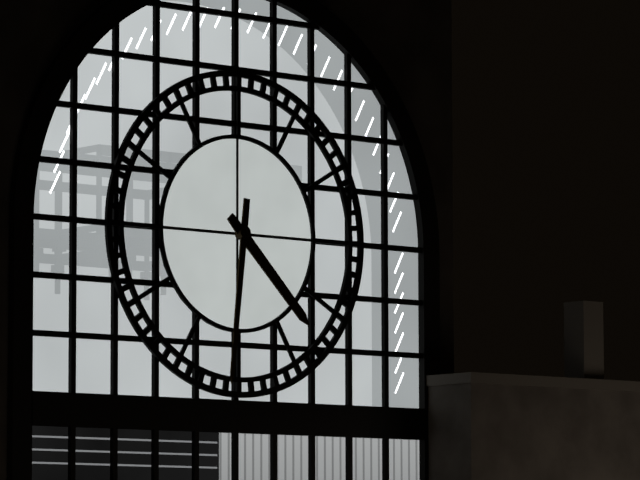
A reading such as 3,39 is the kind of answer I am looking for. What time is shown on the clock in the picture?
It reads 4,31
